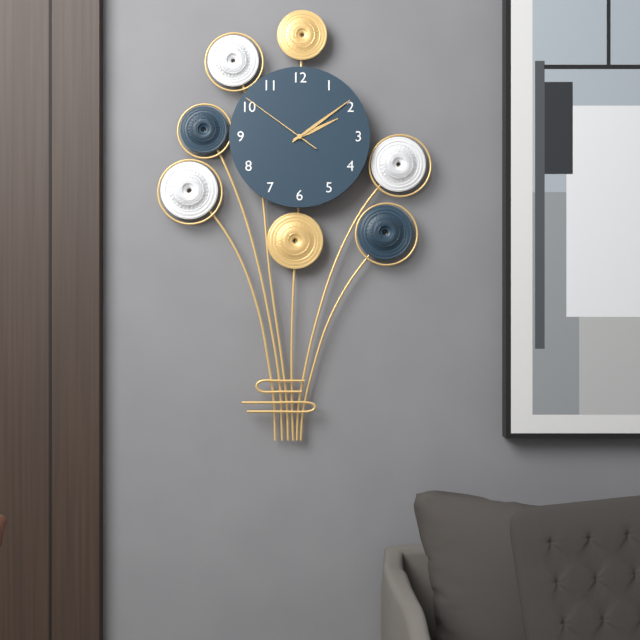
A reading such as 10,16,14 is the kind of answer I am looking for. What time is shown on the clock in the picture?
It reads 2,09,51
